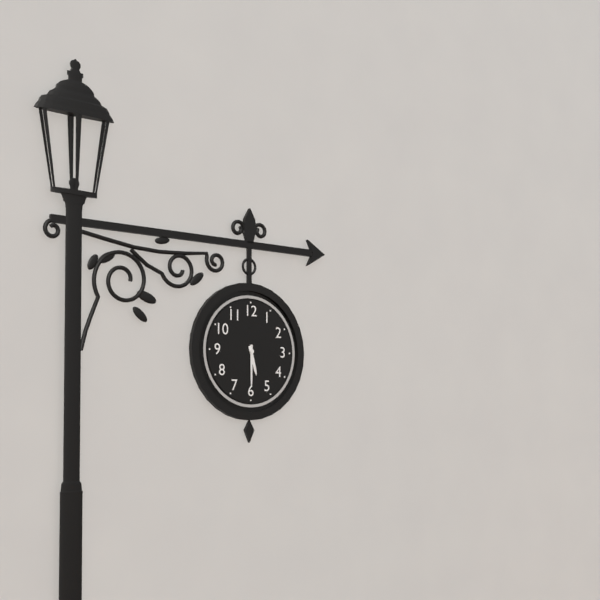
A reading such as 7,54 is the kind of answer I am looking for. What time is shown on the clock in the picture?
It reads 5,30
